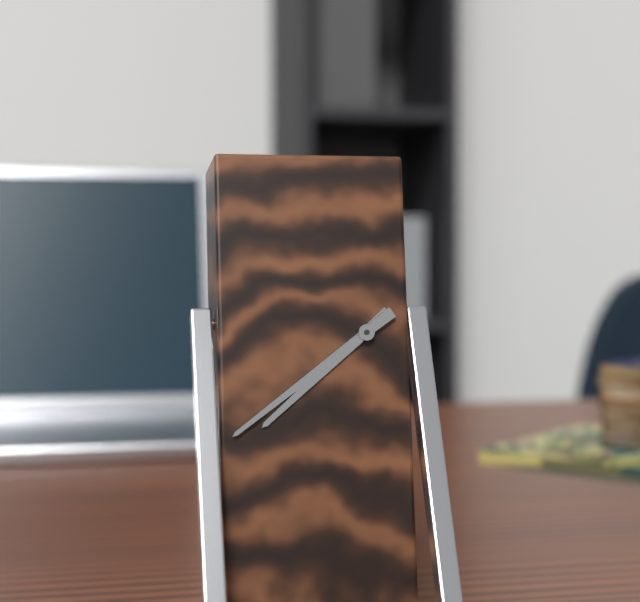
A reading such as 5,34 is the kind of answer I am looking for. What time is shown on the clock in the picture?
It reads 7,39
